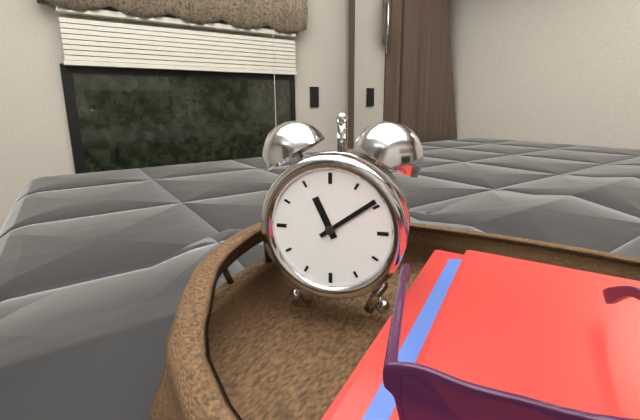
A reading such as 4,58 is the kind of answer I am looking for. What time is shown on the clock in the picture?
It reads 11,09
